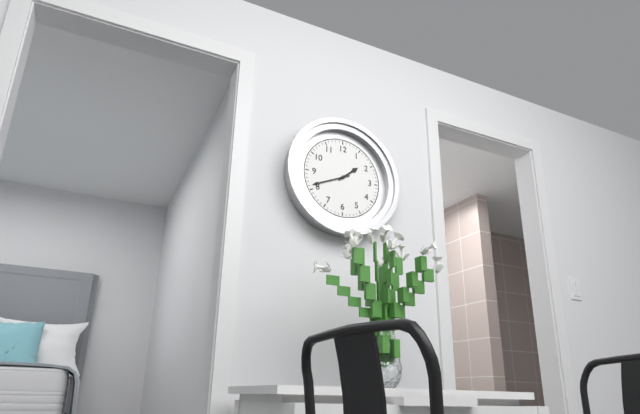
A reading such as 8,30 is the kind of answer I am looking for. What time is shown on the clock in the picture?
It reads 1,41
